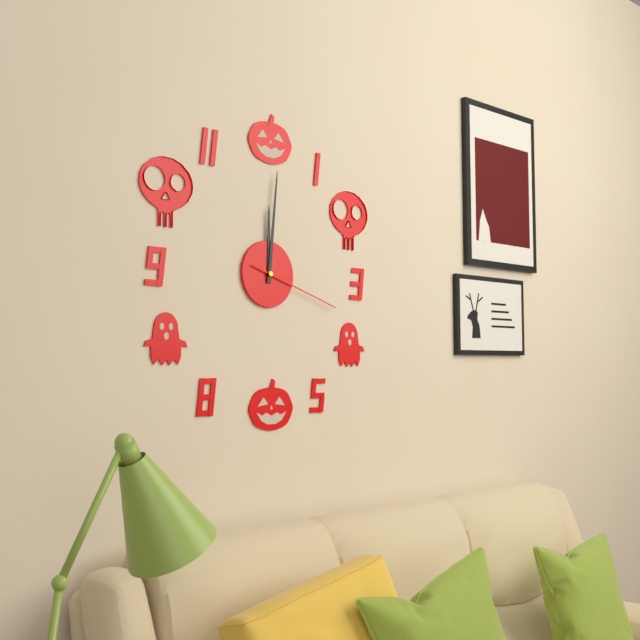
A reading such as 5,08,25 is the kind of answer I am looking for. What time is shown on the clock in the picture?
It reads 12,01,18
